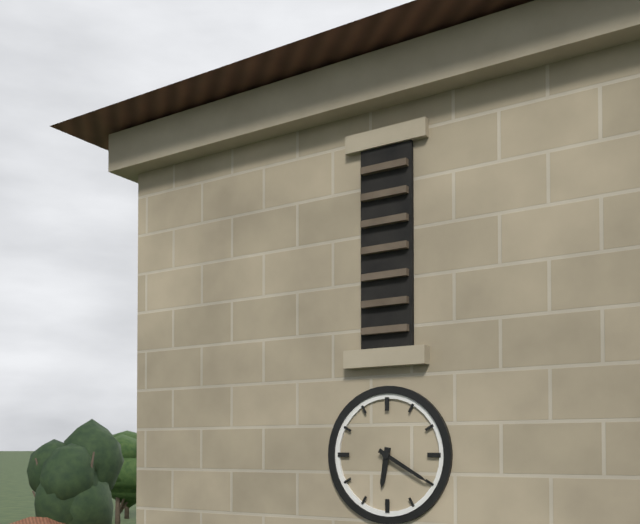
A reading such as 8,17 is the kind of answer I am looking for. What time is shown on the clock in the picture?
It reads 6,20
